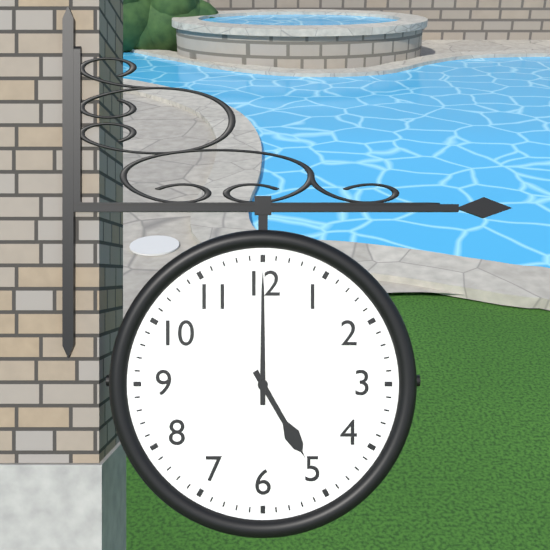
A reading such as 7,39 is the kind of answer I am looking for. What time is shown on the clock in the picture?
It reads 5,00
